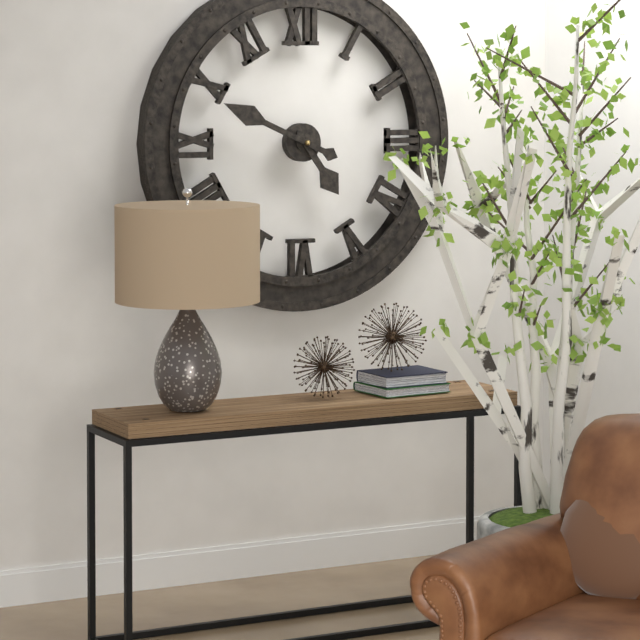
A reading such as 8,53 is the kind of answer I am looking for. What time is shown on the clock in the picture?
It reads 4,49
